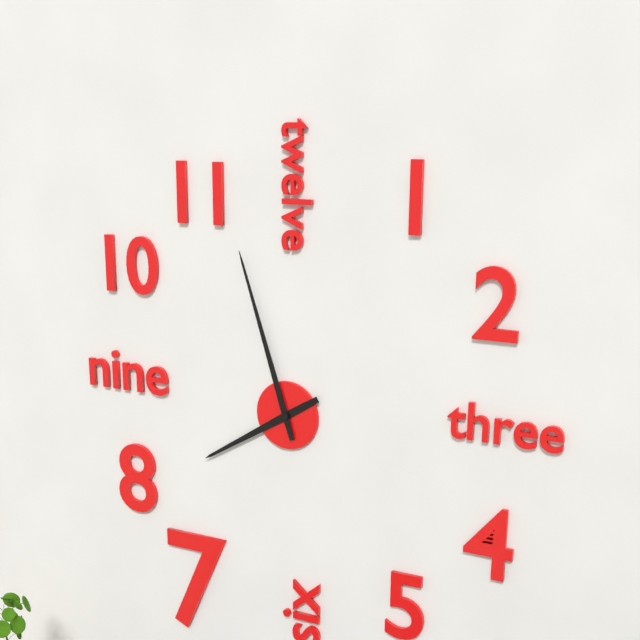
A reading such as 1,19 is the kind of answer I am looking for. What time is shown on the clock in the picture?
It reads 7,57
